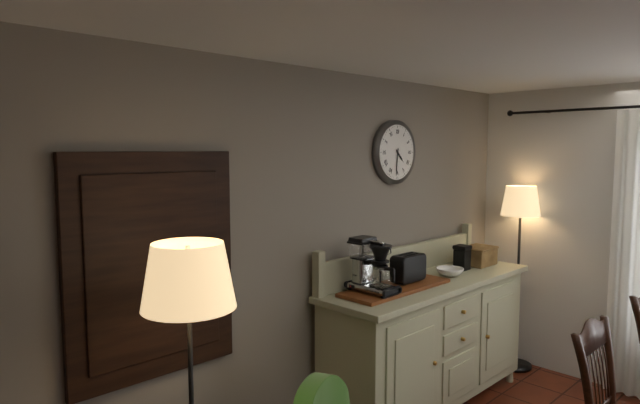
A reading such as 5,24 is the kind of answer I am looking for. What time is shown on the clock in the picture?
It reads 4,31
